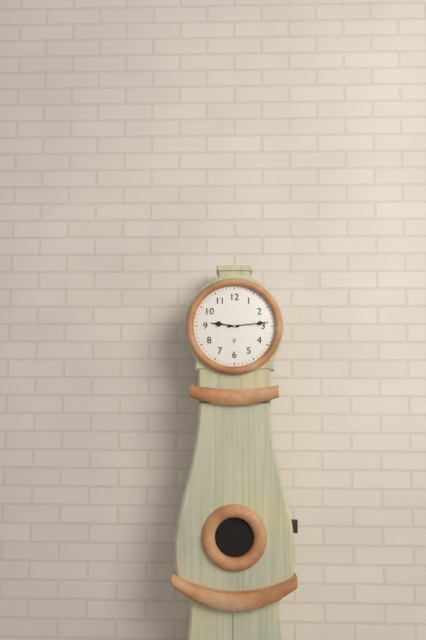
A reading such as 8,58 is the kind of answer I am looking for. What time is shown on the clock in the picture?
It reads 9,14
